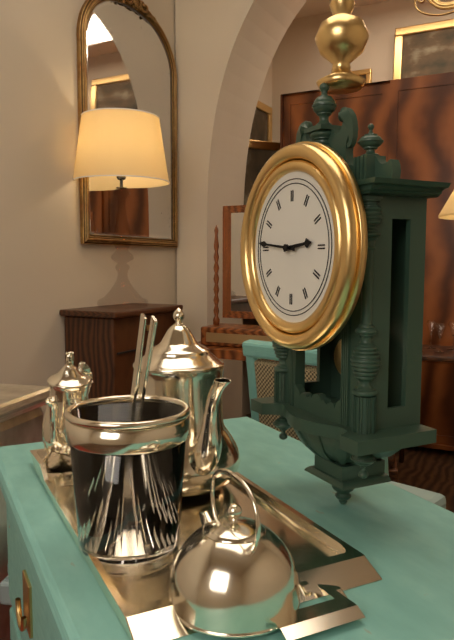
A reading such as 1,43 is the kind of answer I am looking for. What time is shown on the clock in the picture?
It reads 2,46
